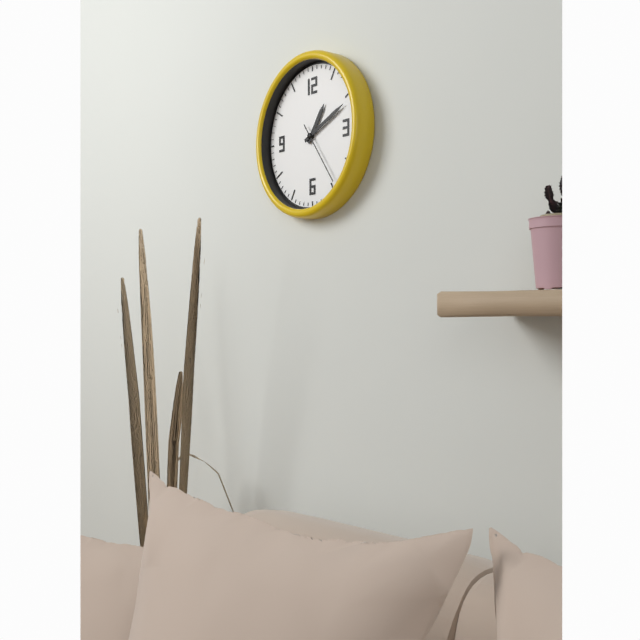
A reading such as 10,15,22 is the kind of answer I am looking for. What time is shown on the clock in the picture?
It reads 1,11,24
